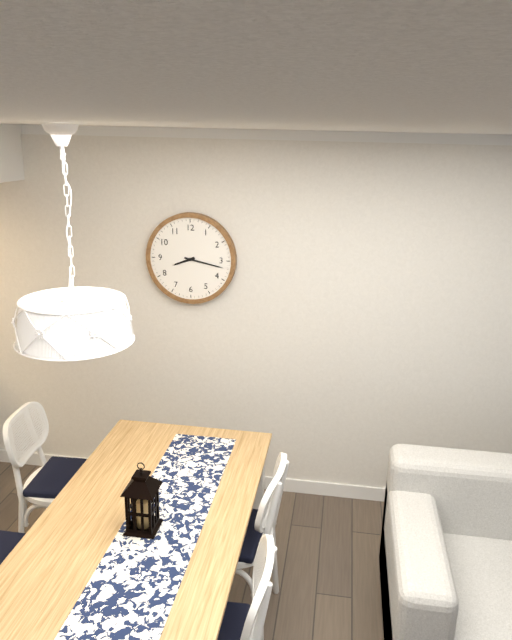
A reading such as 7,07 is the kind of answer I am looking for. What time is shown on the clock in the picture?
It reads 8,17
